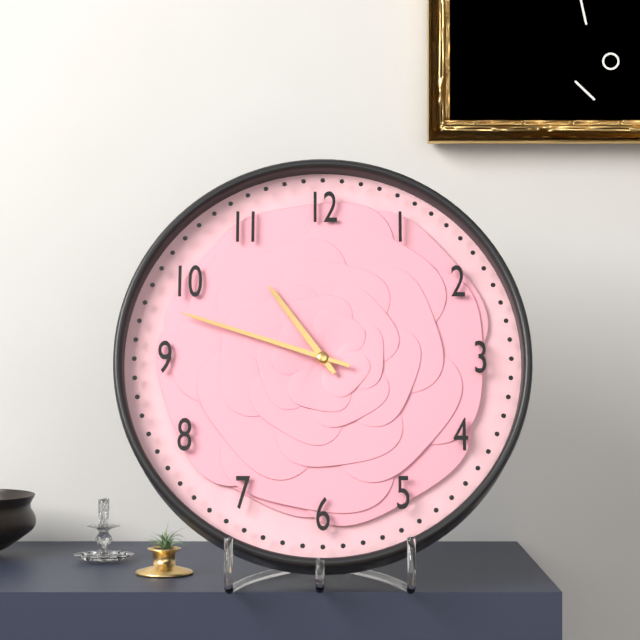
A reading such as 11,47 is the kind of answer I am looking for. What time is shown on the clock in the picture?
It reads 10,48
